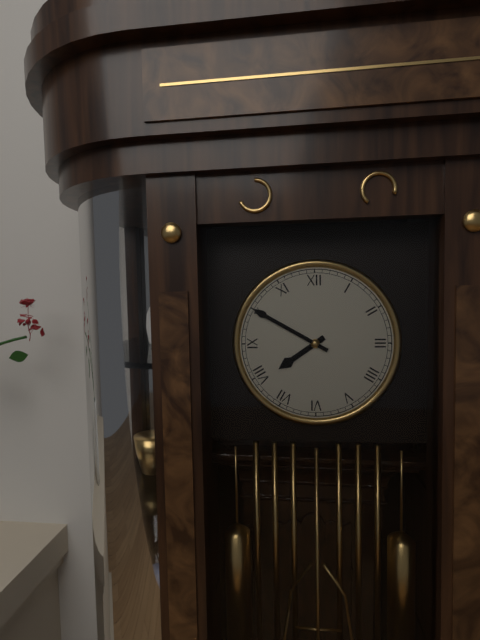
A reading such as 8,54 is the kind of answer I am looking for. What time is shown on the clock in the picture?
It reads 7,50
